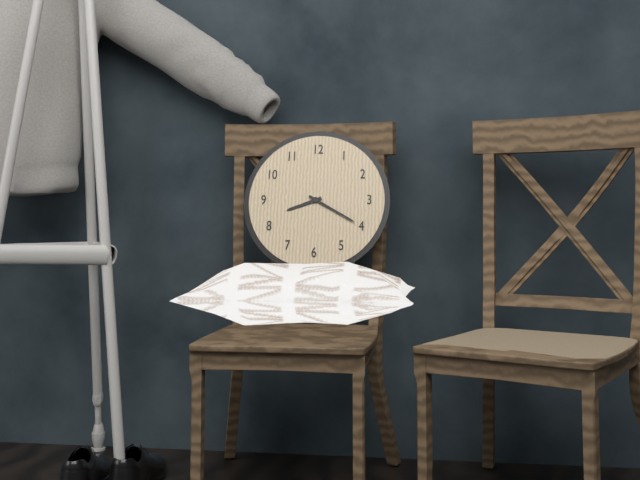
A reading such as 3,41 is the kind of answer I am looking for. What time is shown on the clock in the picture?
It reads 8,20
